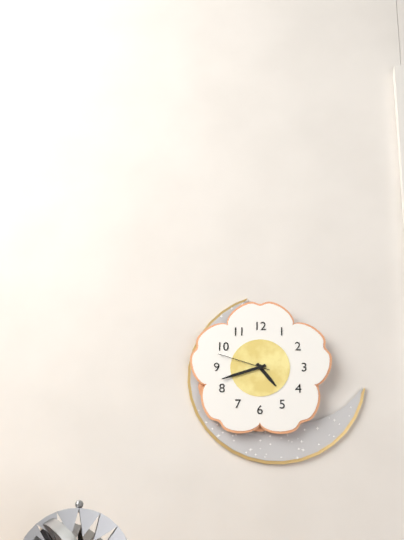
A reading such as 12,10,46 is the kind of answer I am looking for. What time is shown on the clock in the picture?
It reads 4,42,48
